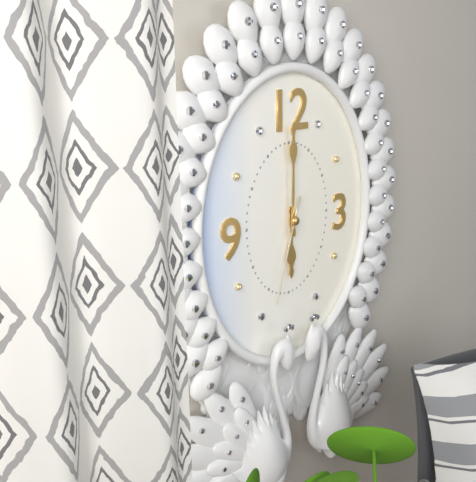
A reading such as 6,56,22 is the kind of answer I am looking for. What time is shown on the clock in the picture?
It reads 6,00,33
